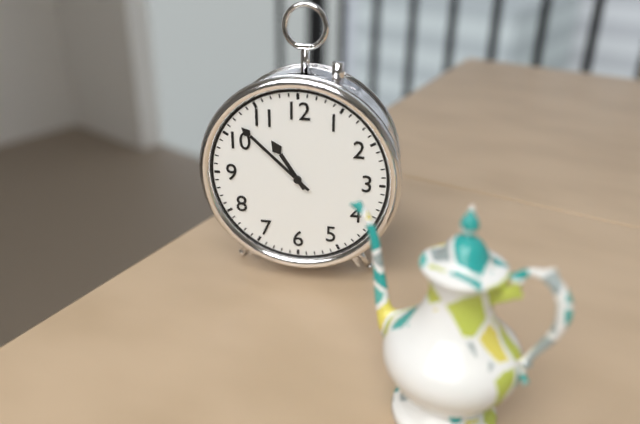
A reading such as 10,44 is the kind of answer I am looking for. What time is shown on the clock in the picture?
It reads 10,52
